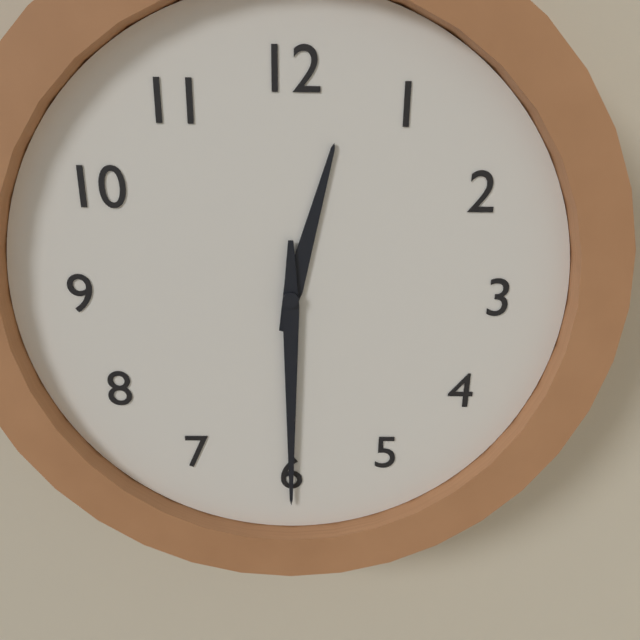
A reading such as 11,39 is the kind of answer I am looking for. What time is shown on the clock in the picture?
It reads 12,30
